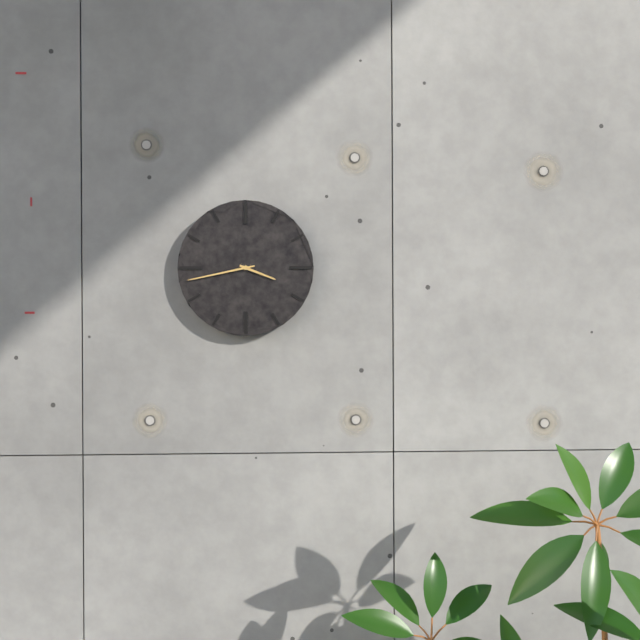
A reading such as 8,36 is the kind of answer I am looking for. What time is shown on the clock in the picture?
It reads 3,43
